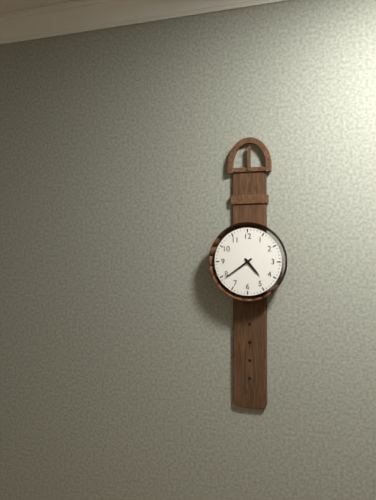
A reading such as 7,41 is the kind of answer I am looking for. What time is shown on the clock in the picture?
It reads 4,39
